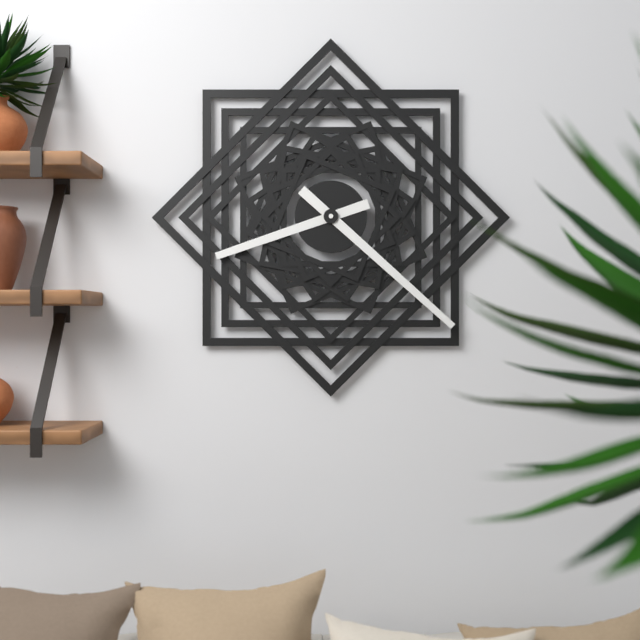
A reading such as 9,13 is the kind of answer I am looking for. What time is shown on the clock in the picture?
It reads 8,22
